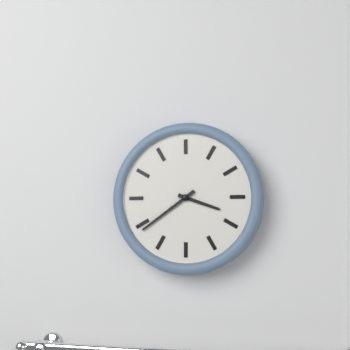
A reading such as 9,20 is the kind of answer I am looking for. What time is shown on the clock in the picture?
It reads 3,39
